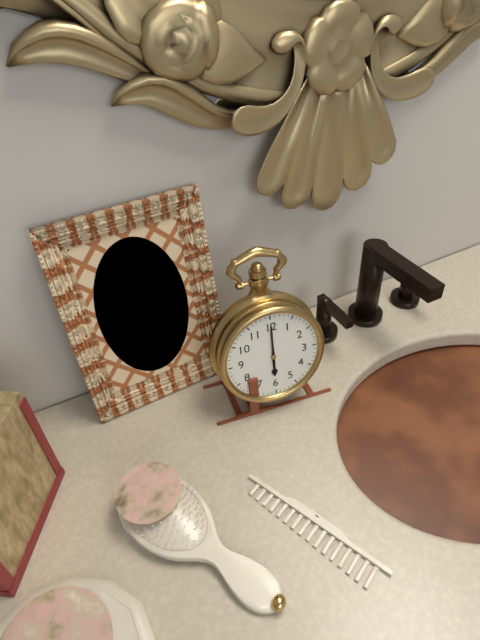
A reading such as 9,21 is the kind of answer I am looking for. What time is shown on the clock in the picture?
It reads 6,00
